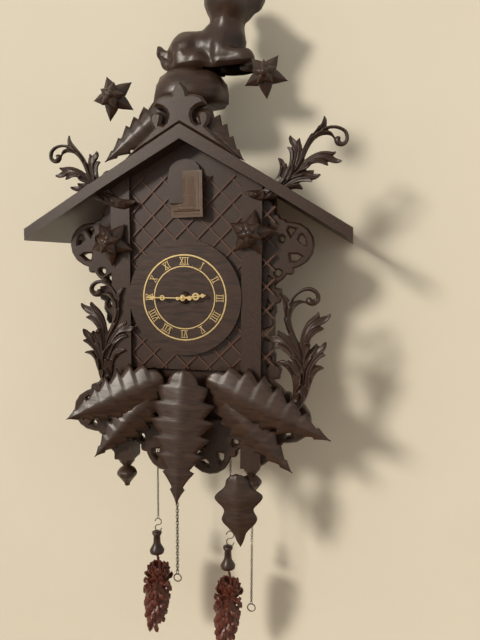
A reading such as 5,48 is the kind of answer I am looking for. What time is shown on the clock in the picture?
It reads 2,45
